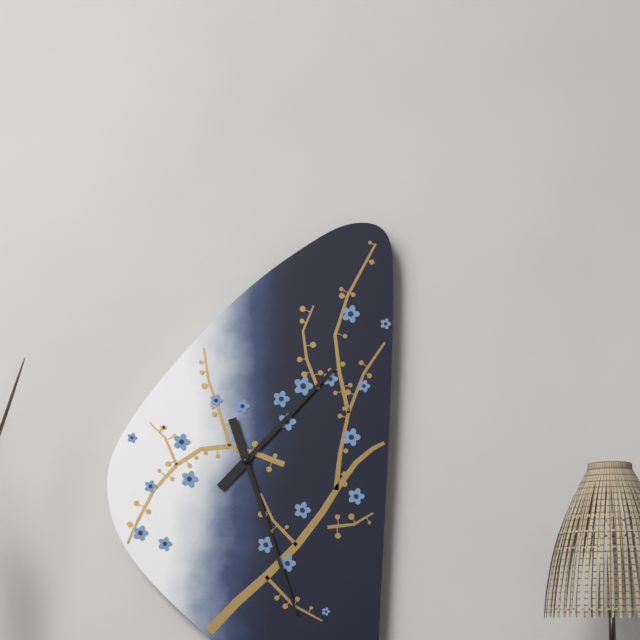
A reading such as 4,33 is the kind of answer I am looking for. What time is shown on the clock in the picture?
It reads 1,27
